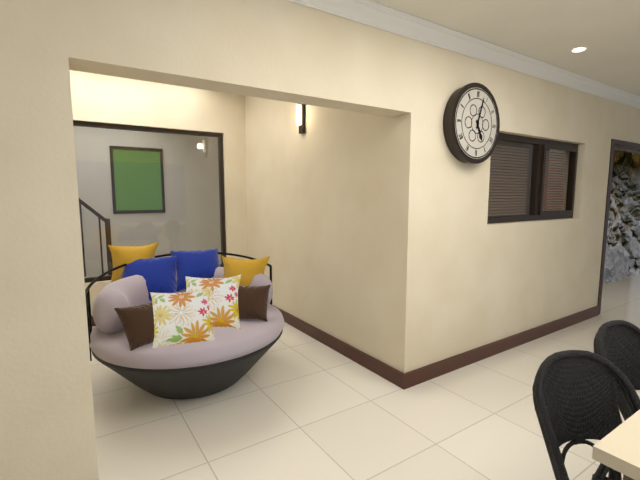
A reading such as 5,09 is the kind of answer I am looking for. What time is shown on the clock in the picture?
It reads 5,03
